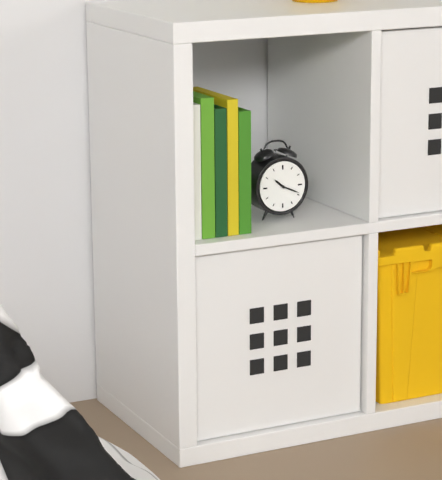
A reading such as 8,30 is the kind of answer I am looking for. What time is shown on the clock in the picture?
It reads 10,19
